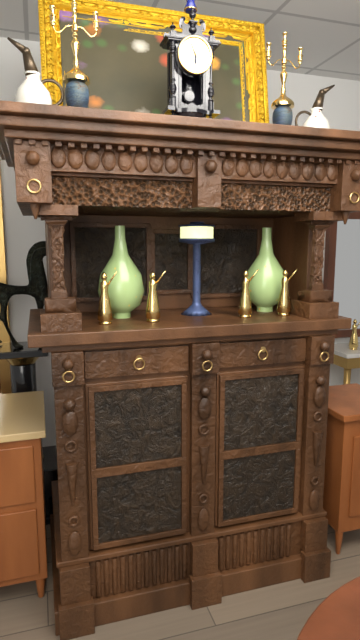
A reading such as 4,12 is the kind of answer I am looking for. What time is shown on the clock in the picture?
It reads 5,56
